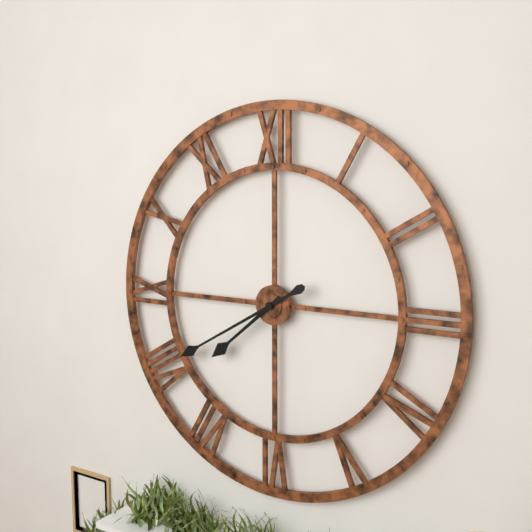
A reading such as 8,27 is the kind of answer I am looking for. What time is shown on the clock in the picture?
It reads 7,40
